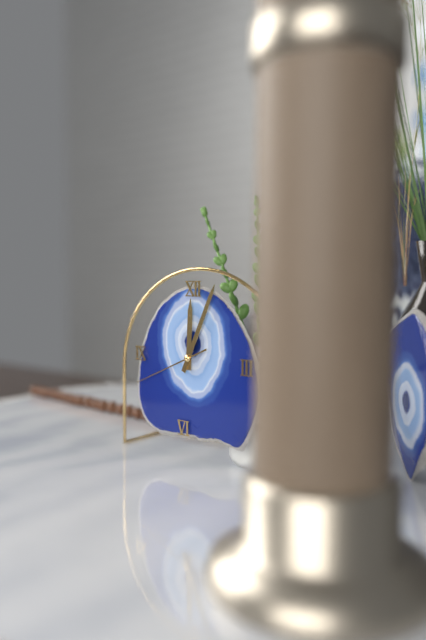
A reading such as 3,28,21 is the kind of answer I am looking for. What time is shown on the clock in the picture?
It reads 12,04,41
